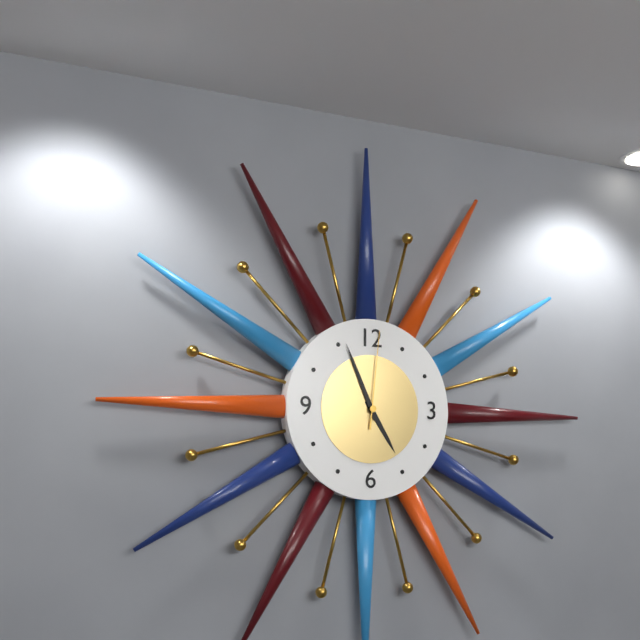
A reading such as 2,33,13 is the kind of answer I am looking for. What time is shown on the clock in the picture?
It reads 4,56,01
